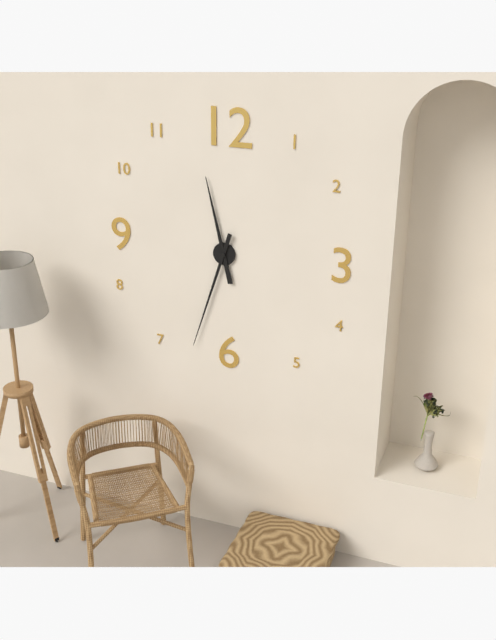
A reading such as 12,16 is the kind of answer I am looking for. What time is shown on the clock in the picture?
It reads 11,33
